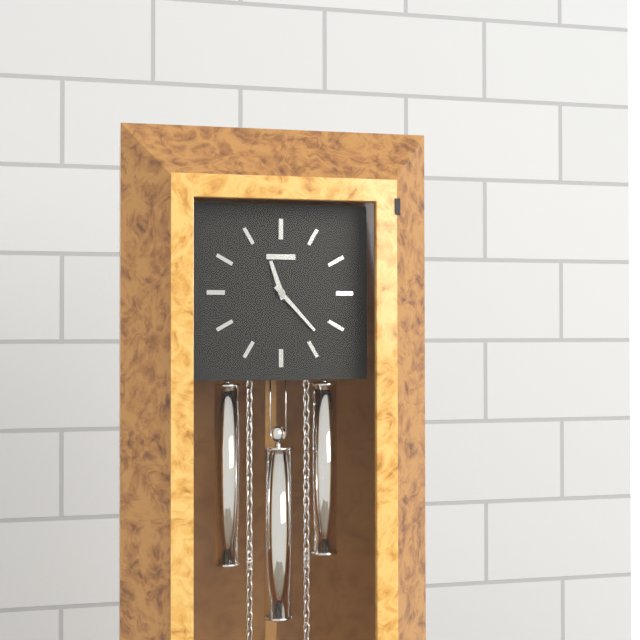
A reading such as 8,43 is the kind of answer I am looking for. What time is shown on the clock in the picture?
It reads 11,23
